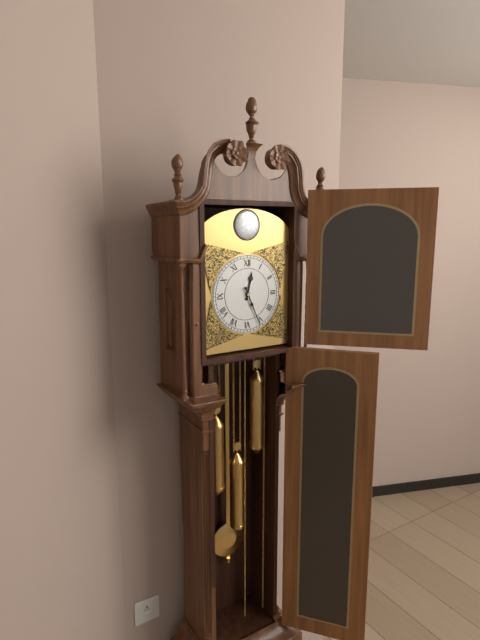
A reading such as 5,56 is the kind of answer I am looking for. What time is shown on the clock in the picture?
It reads 12,26
